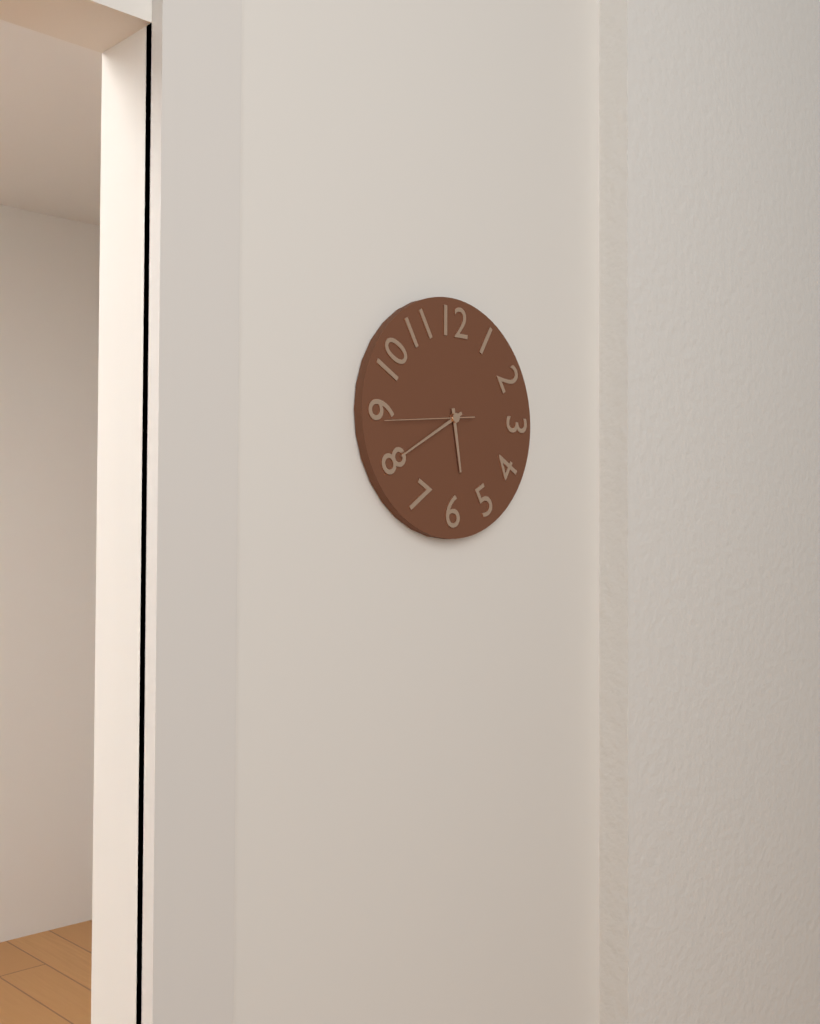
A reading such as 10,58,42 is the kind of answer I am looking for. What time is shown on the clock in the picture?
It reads 5,40,44
